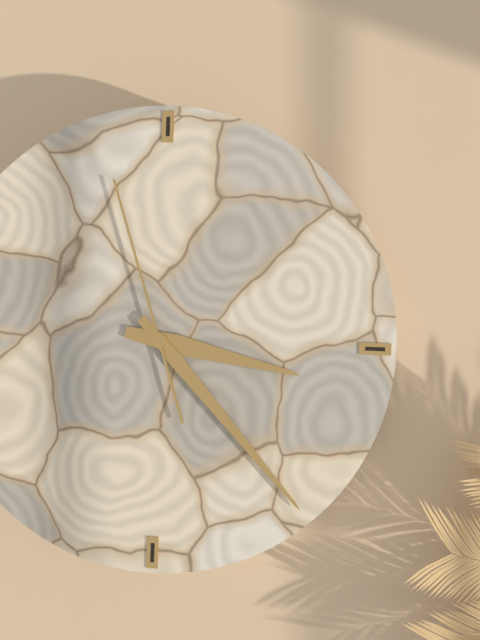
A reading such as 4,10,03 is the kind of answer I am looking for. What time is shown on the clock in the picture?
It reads 3,23,57
